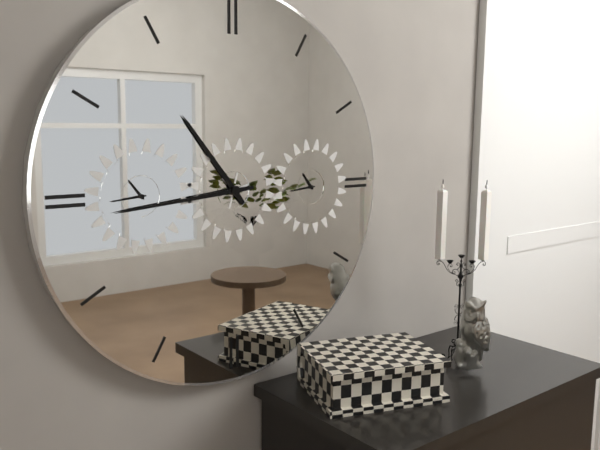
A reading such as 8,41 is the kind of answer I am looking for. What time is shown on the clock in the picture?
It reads 10,44
